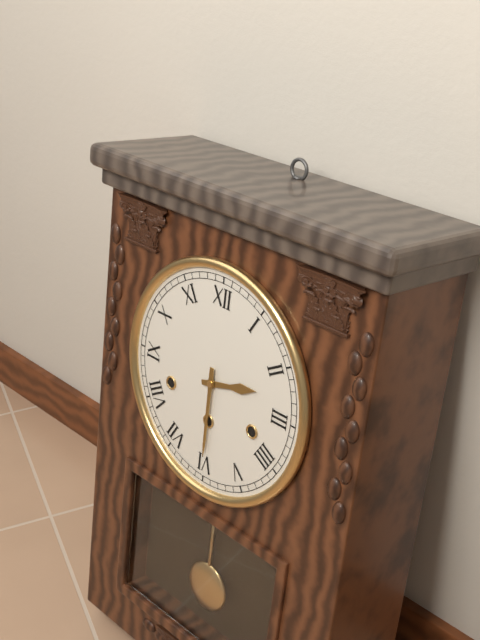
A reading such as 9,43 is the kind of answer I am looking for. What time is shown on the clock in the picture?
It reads 2,30
